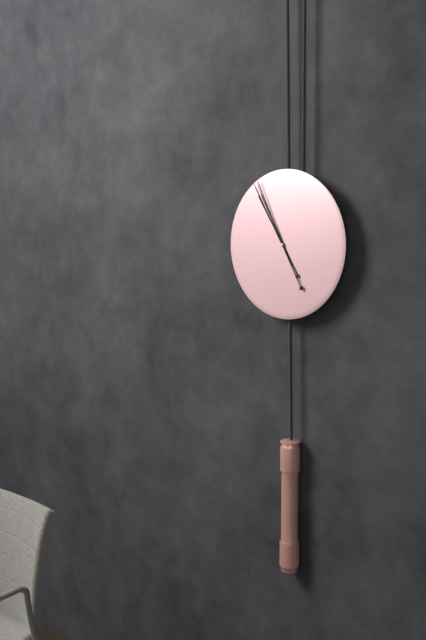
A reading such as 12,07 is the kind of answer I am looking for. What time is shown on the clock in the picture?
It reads 10,55
